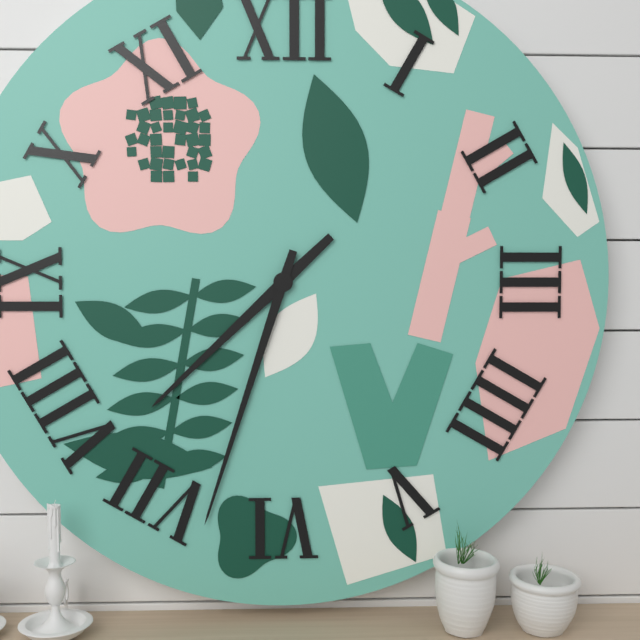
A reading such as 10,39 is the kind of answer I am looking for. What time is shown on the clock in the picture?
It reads 7,33
